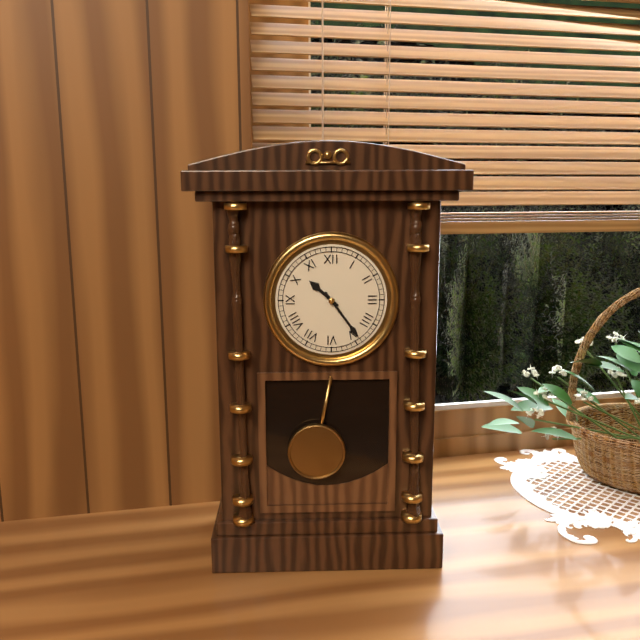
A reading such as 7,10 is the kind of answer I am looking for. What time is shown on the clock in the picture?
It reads 10,24
